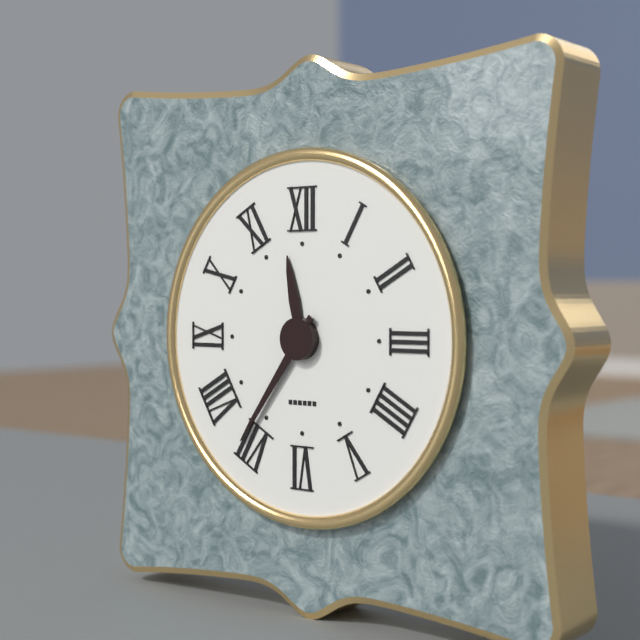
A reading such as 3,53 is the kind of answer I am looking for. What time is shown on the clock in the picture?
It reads 11,36
